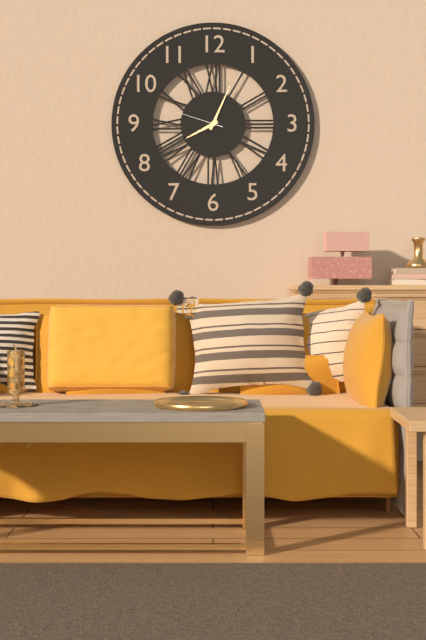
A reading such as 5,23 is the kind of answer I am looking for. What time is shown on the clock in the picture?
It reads 8,04
